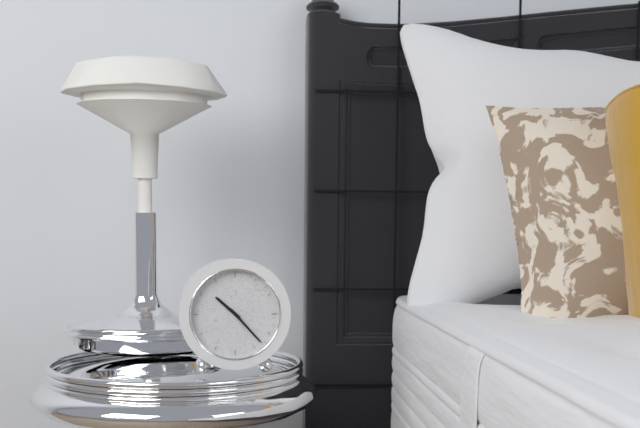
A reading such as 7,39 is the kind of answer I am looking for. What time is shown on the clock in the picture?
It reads 10,23
